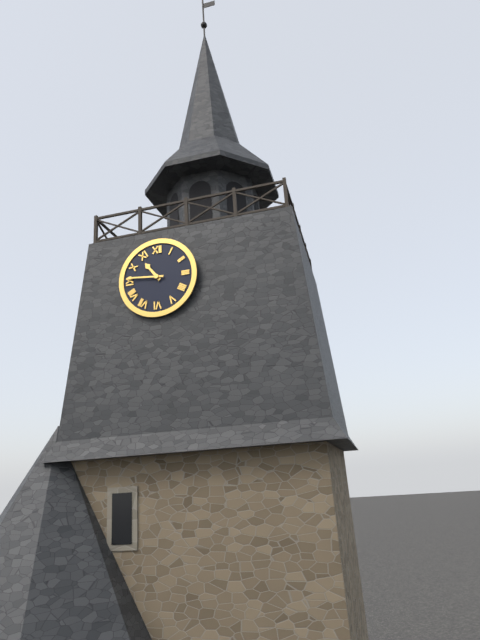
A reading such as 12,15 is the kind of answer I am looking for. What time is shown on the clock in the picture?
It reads 10,46
